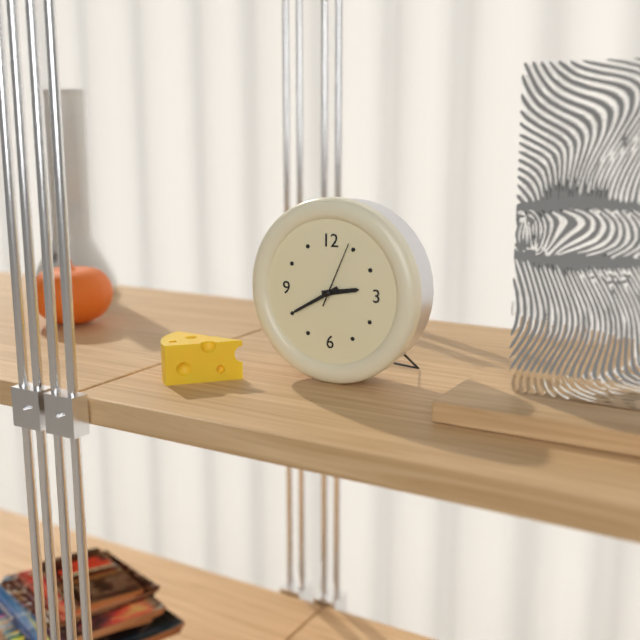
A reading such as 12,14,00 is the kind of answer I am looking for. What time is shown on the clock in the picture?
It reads 2,40,04
